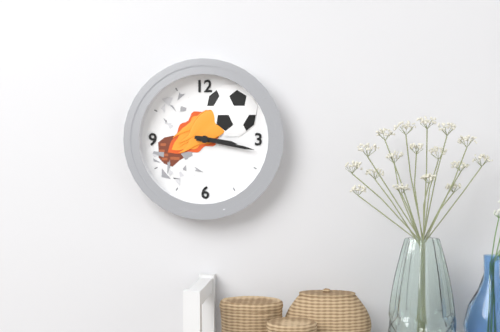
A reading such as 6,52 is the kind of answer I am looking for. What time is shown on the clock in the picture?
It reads 3,17
